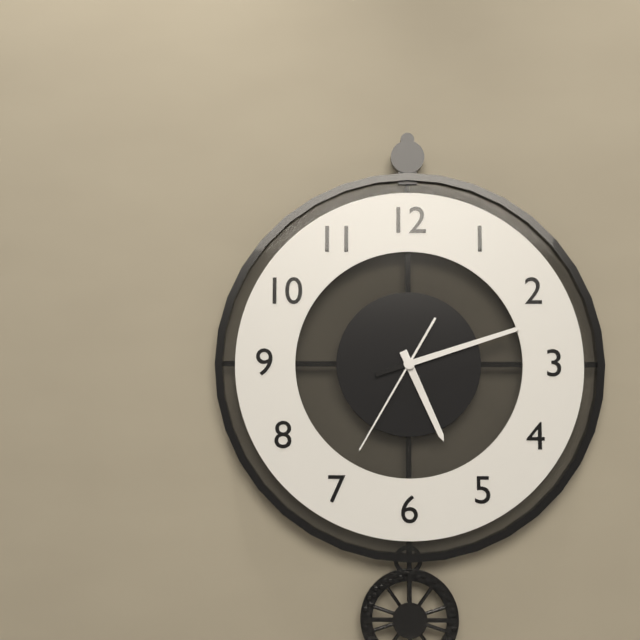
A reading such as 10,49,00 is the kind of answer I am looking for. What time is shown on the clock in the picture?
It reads 5,12,35
